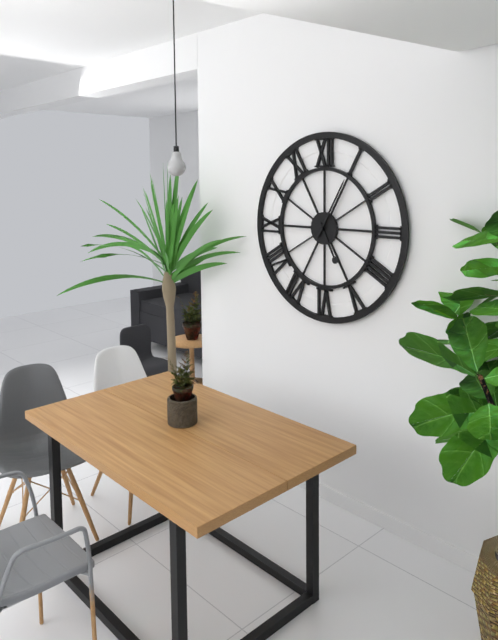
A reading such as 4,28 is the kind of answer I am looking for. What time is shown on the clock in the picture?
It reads 5,05
